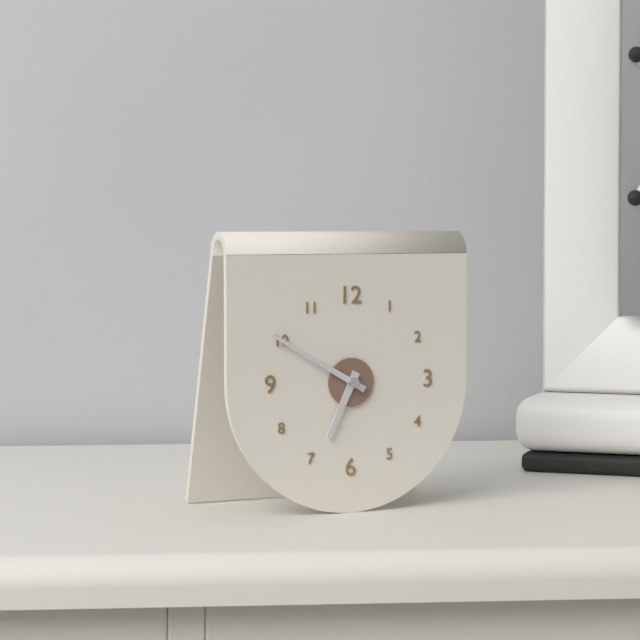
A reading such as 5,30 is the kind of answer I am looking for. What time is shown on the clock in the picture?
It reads 6,50
